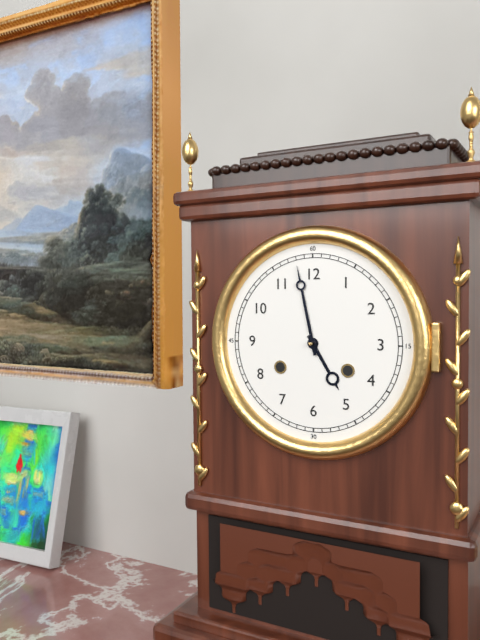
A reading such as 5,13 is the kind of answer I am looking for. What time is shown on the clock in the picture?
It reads 4,58
